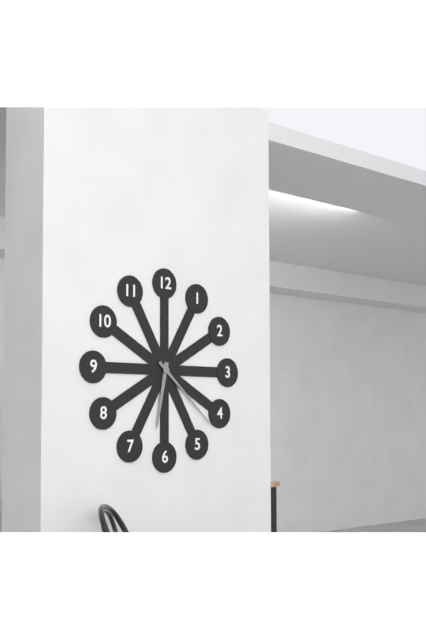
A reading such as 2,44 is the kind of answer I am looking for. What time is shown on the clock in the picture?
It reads 6,22
